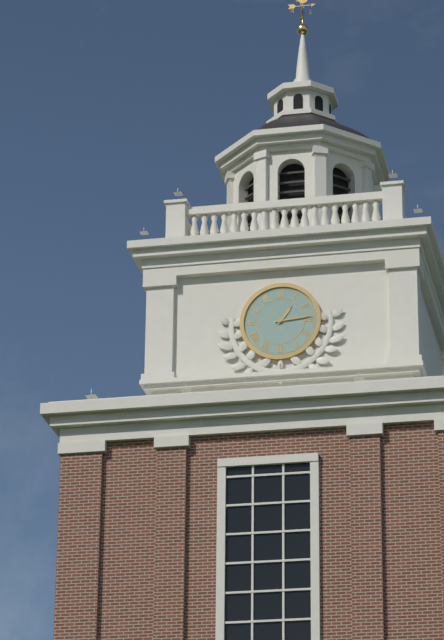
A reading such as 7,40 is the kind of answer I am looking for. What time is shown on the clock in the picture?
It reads 1,14
